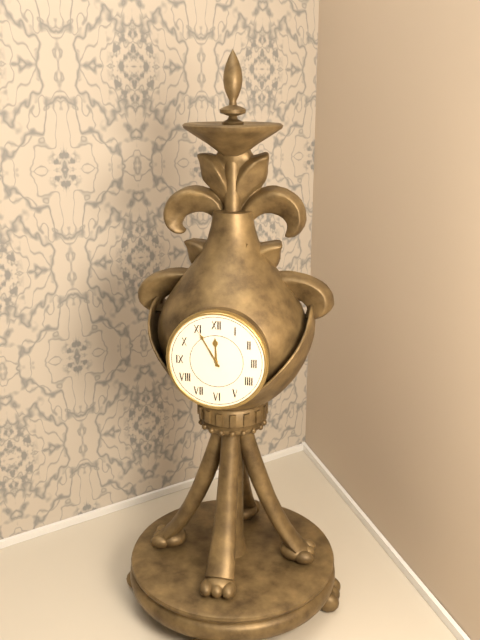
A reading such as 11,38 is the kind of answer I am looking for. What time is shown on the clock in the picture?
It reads 11,55
